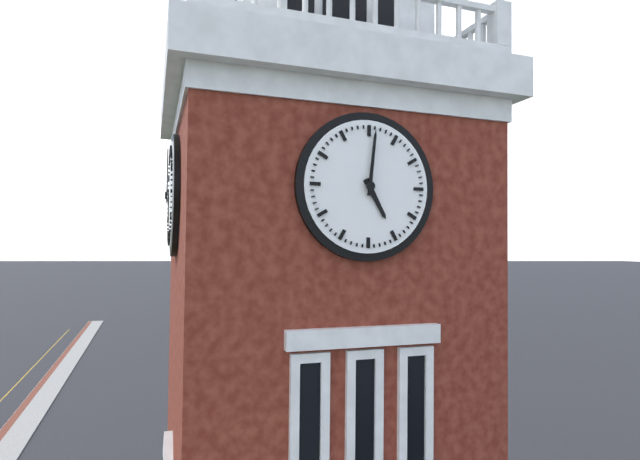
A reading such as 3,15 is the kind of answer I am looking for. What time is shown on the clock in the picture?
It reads 5,01
